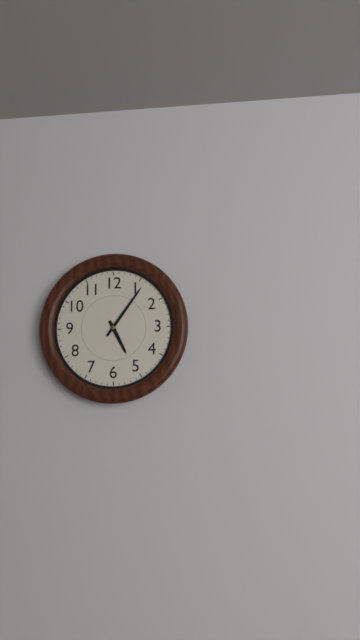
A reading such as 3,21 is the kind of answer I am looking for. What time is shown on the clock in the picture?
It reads 5,06
